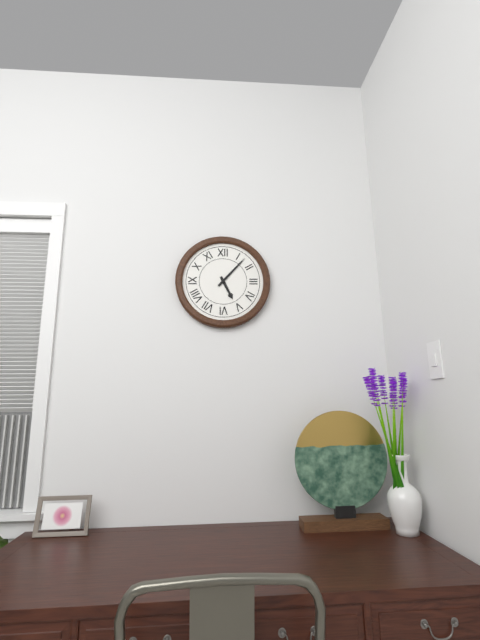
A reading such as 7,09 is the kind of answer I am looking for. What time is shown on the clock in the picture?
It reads 5,07
